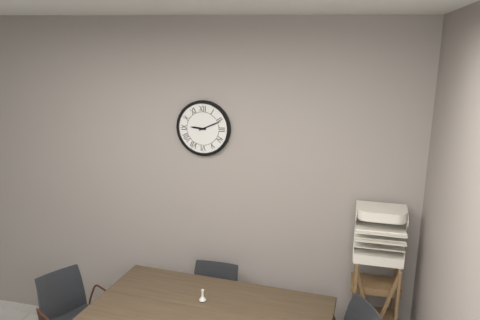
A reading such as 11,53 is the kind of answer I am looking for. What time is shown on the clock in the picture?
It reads 9,11
